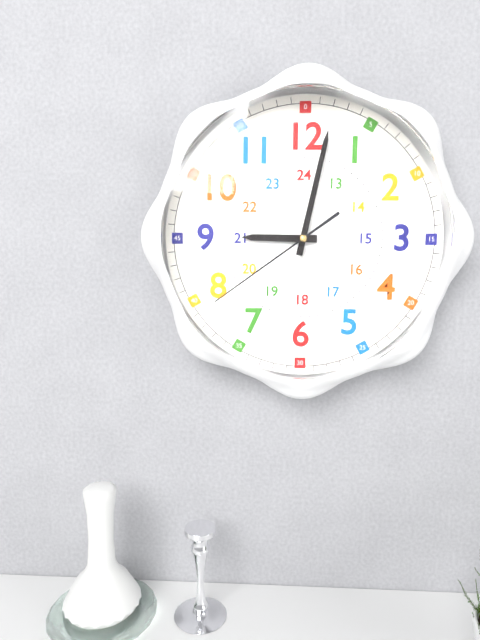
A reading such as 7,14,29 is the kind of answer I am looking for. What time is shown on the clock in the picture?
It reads 9,02,39
